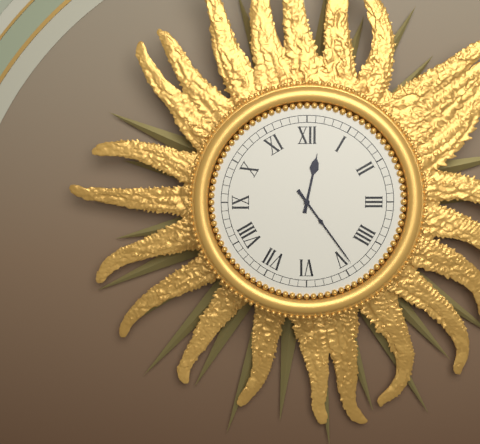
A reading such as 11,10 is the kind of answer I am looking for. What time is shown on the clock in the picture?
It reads 12,24
